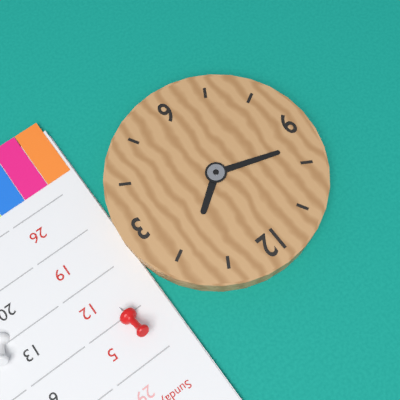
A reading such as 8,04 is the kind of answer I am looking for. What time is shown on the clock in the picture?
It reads 1,48
